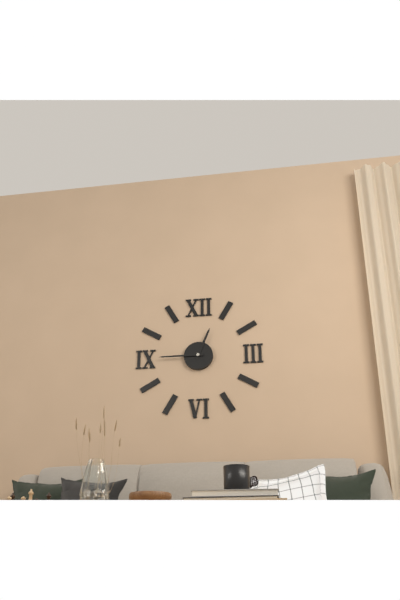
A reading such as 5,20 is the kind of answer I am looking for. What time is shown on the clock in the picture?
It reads 12,45
